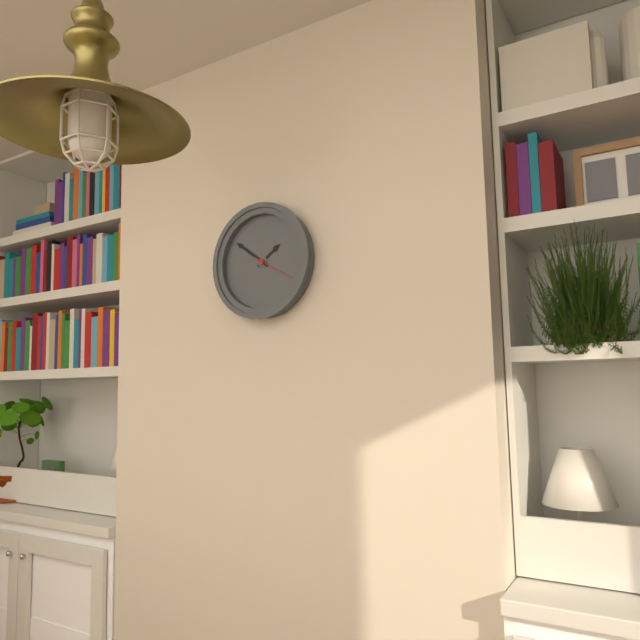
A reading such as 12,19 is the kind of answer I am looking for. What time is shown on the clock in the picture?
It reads 1,51
